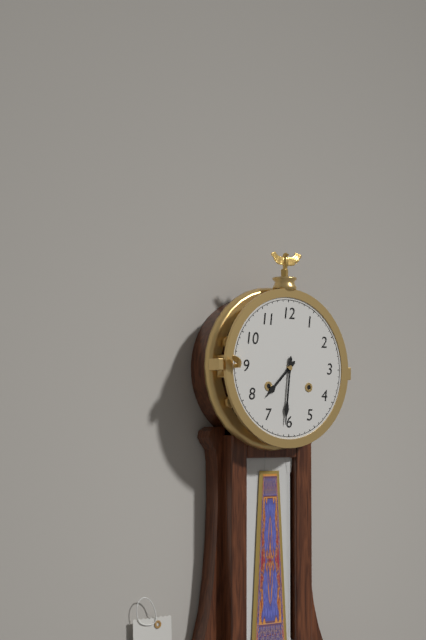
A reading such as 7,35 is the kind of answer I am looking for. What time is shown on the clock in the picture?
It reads 7,31
